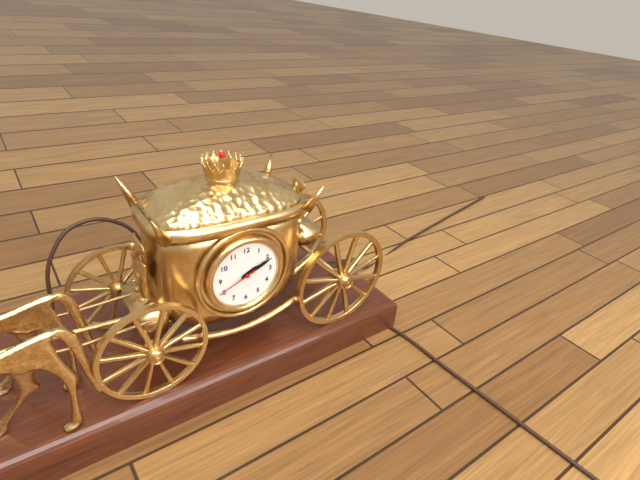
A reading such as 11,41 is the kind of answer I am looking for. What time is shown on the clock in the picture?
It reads 2,11
